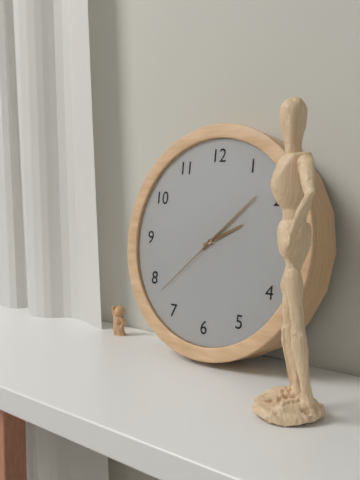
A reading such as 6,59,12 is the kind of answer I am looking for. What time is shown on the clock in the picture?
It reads 2,08,38
